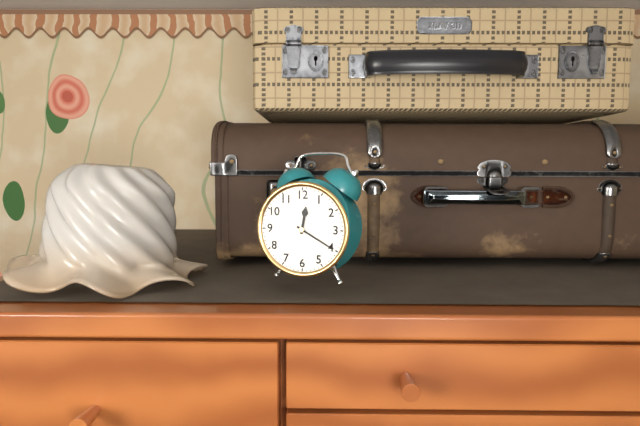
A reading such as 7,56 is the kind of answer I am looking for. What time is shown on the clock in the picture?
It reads 12,20
